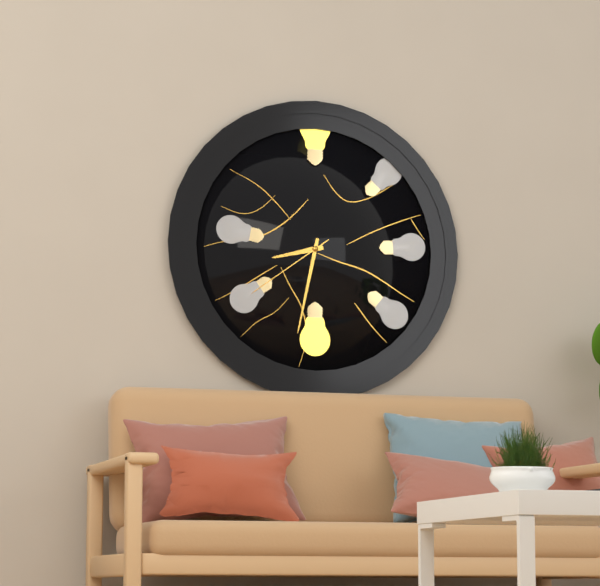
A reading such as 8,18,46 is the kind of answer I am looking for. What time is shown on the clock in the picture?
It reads 8,32,39
